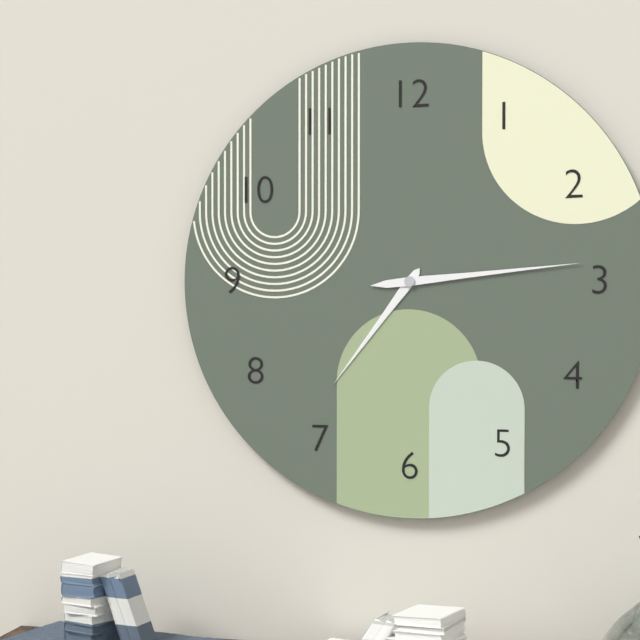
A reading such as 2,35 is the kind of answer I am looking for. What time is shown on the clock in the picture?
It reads 7,14
